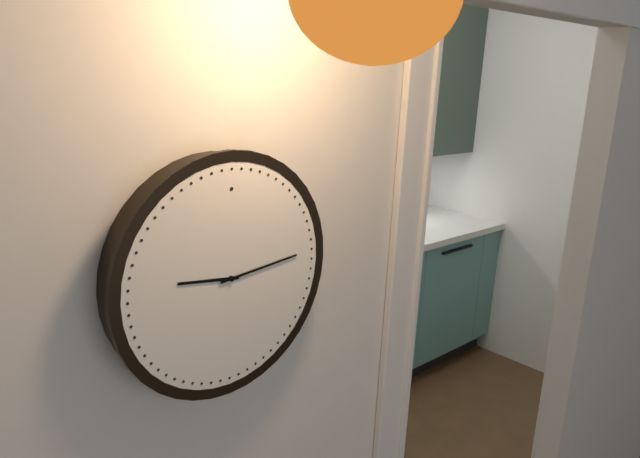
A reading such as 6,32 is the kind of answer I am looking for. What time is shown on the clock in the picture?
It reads 9,14
